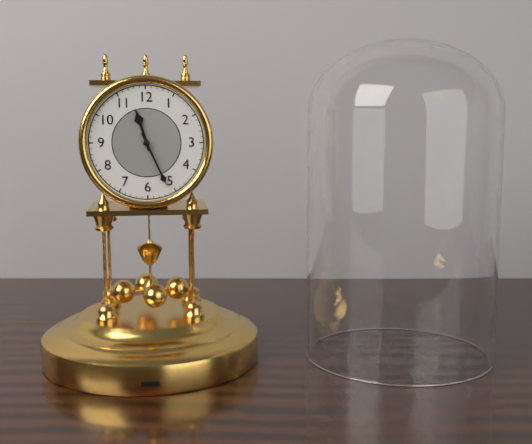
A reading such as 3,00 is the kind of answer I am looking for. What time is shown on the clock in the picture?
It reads 11,26
